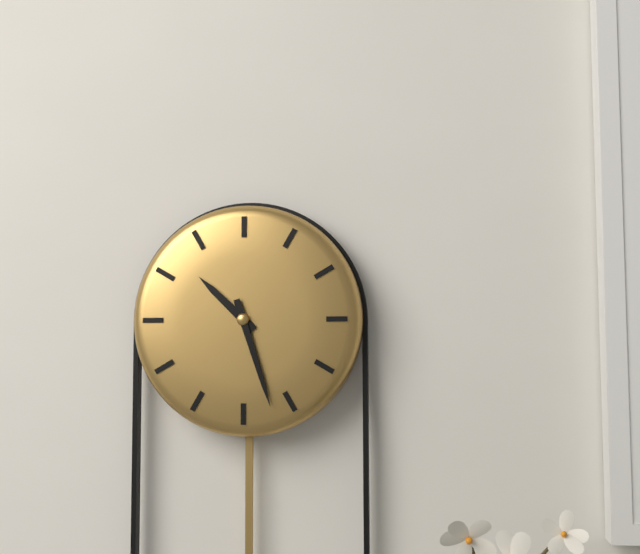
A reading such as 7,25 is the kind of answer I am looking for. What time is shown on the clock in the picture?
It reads 10,27
